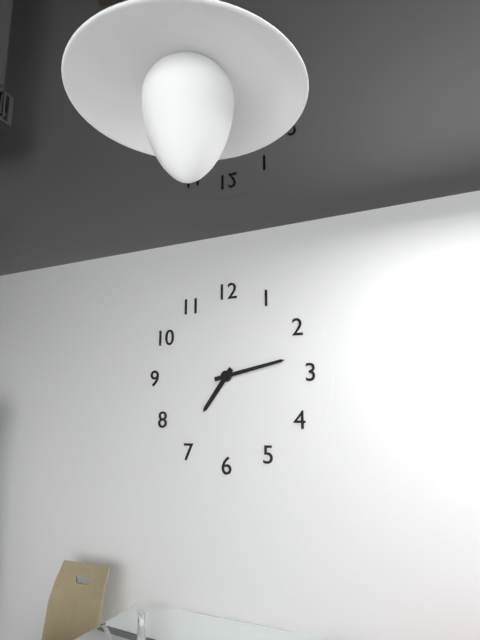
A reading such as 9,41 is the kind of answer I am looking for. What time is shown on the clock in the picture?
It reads 7,13
